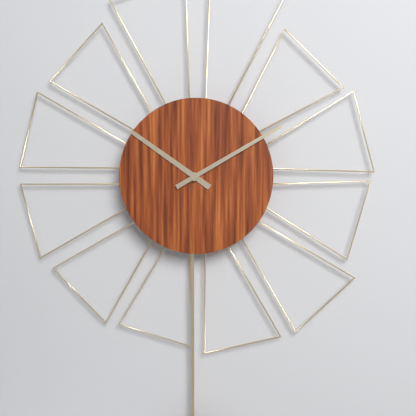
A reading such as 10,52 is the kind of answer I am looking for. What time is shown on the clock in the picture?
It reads 10,10
